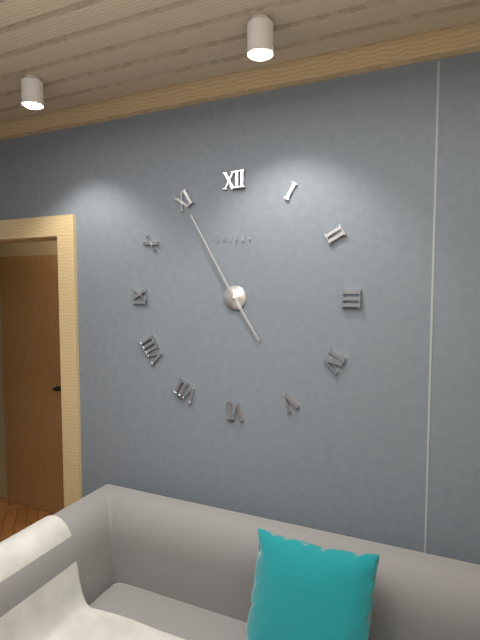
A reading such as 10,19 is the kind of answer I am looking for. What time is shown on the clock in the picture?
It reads 4,55
